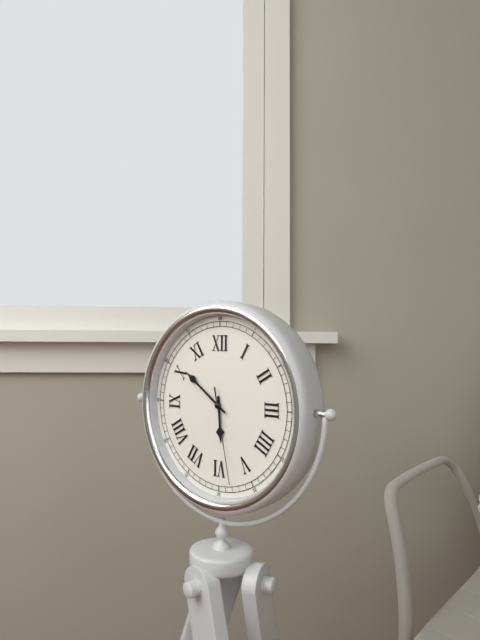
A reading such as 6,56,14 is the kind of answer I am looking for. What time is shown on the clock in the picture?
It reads 5,51,28
